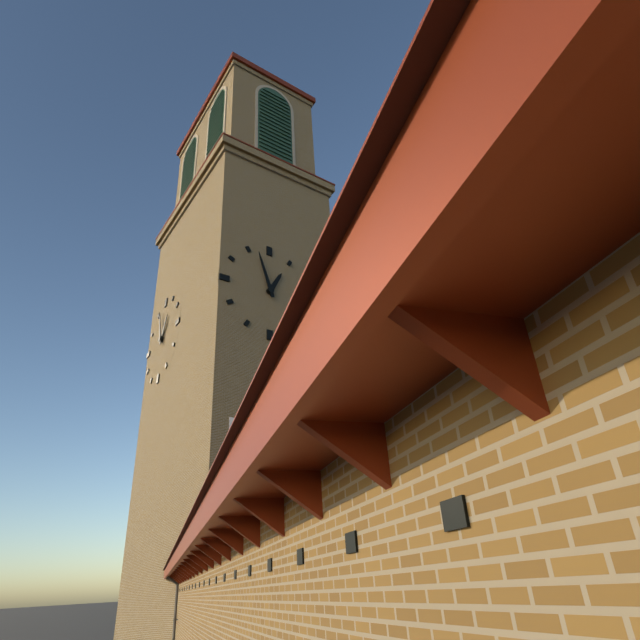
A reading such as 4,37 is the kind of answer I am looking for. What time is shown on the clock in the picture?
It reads 12,57
